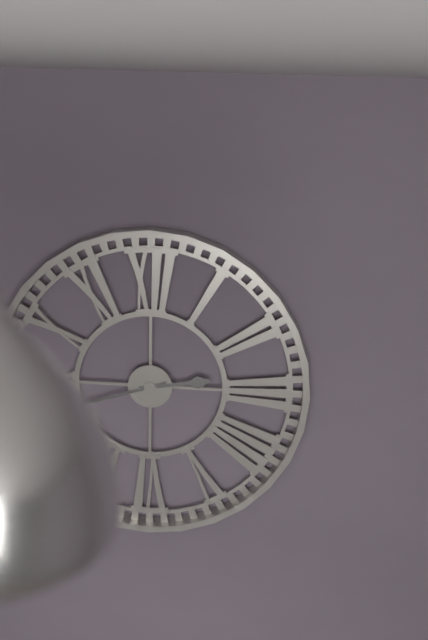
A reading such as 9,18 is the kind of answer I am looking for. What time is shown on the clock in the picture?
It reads 2,42
